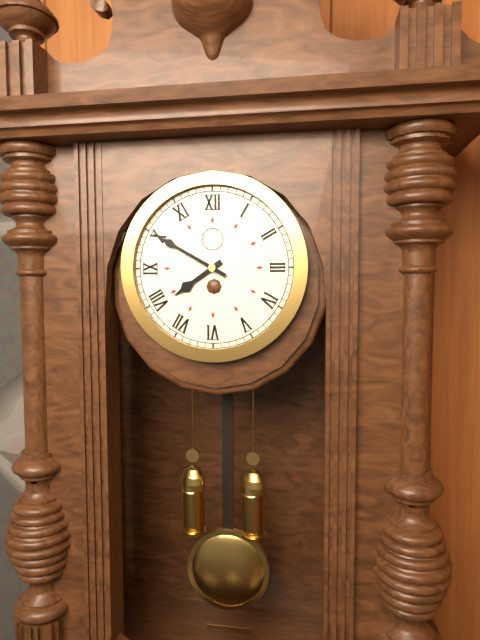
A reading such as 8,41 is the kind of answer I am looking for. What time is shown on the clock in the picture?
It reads 7,50
